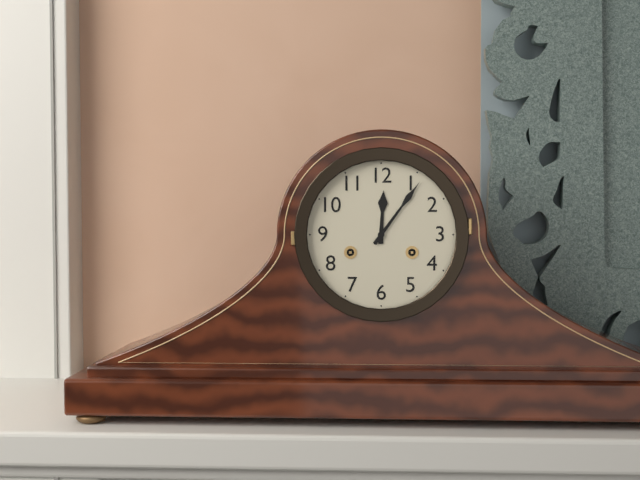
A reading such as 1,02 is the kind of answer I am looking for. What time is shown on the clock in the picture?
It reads 12,06
